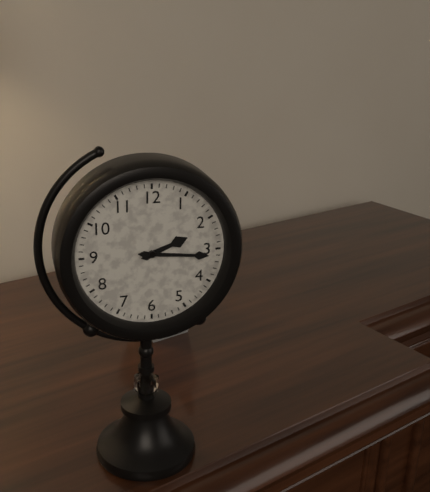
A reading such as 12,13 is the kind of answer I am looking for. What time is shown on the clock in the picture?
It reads 2,16
